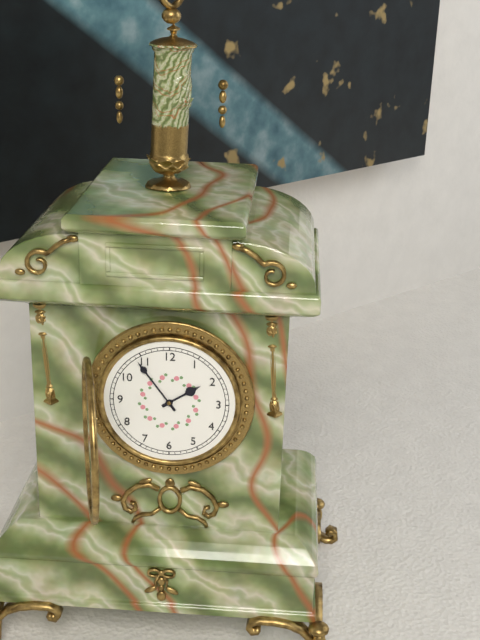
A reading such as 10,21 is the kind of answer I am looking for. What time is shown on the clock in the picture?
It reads 1,54
